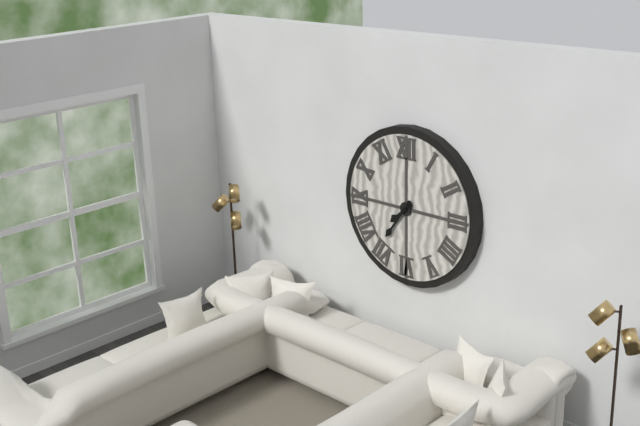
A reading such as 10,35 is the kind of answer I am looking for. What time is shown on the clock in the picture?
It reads 7,36
